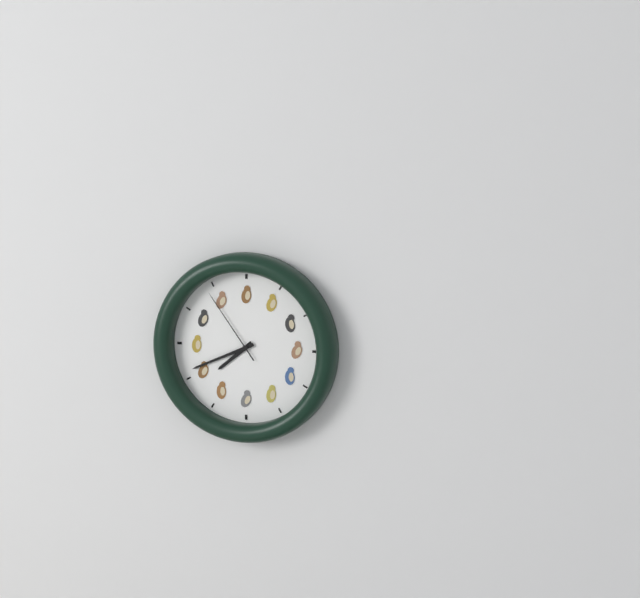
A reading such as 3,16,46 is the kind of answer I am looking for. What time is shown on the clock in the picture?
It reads 7,41,54
